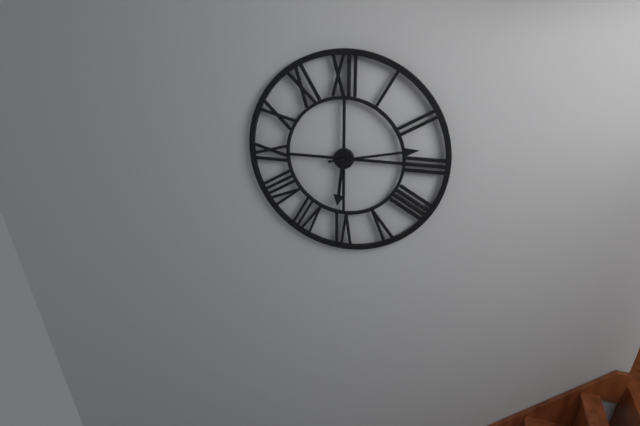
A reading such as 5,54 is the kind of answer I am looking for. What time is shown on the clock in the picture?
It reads 6,13
